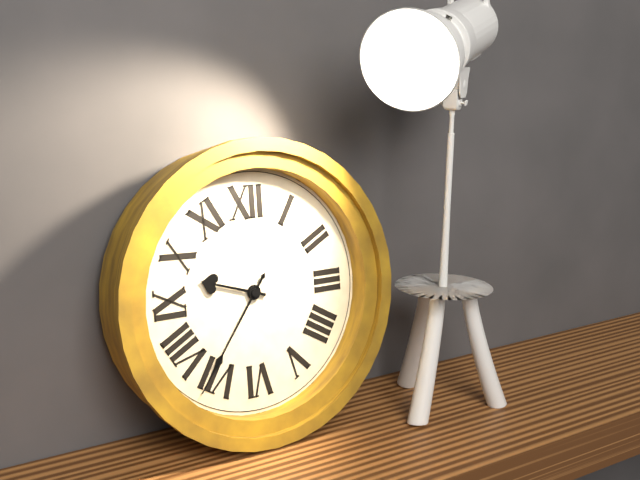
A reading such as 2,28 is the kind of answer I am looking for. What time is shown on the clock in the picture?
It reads 9,36
